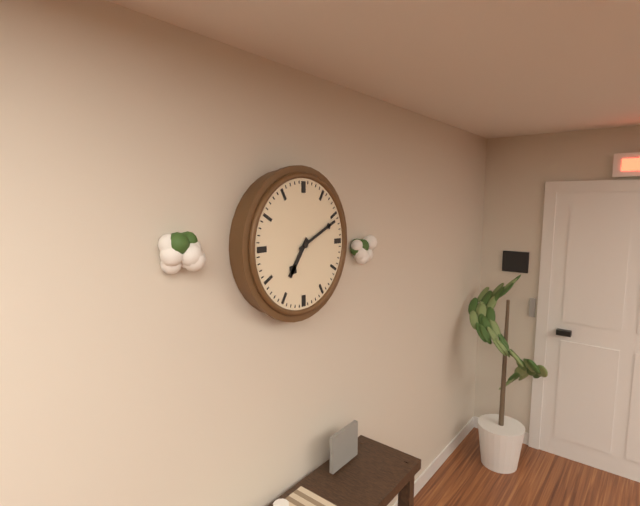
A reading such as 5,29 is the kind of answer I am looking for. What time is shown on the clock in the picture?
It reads 7,11
